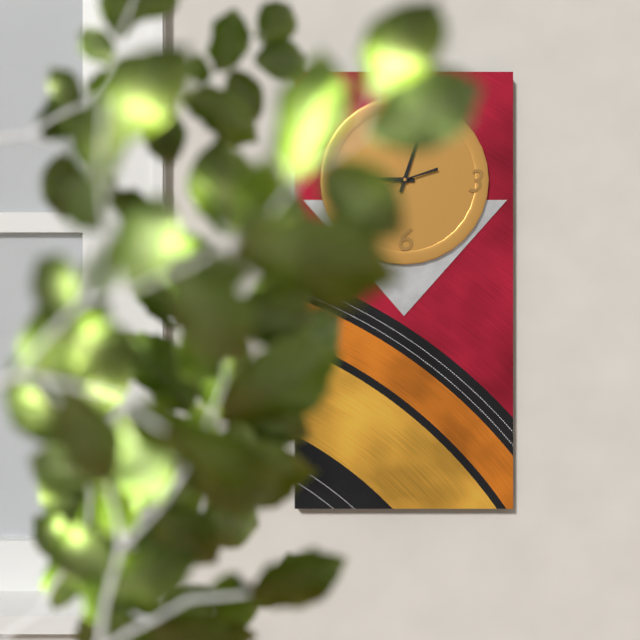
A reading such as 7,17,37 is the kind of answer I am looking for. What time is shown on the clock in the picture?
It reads 9,03,42
